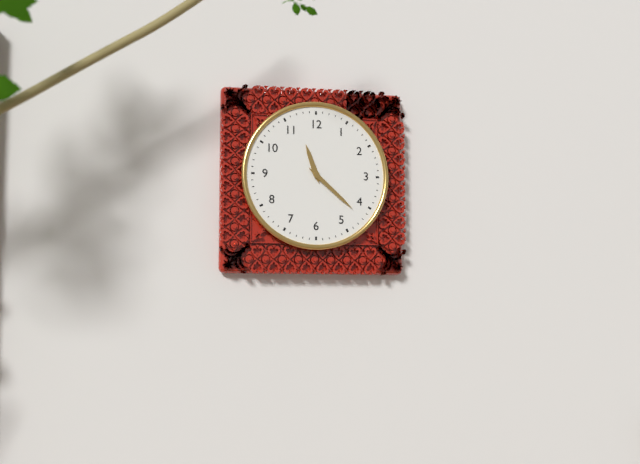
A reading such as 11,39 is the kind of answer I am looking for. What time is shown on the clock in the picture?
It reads 11,22
